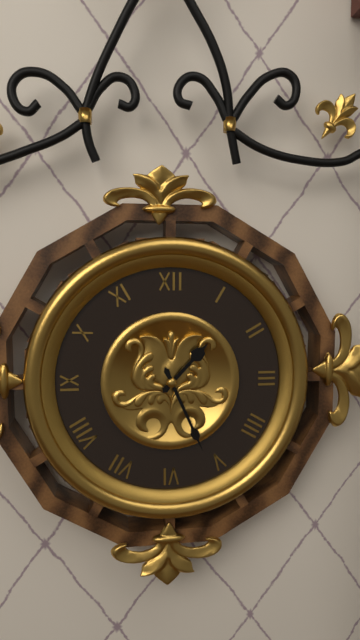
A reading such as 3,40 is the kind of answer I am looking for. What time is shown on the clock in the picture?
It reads 1,26
